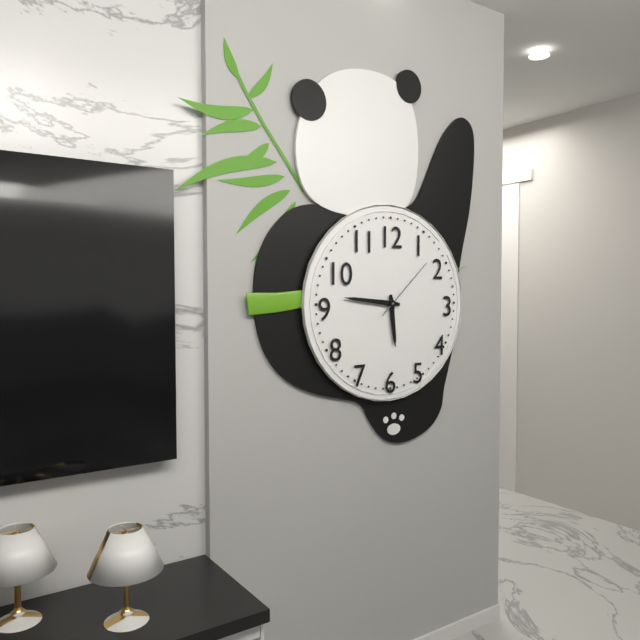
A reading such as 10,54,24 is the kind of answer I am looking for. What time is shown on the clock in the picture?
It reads 5,46,08
